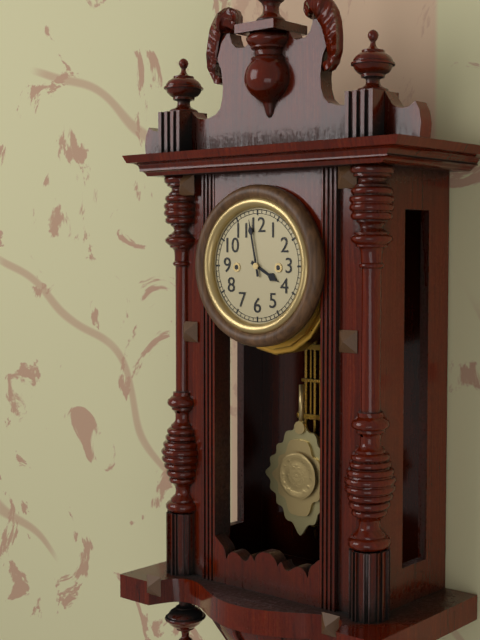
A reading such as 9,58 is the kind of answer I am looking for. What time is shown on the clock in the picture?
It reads 3,58
